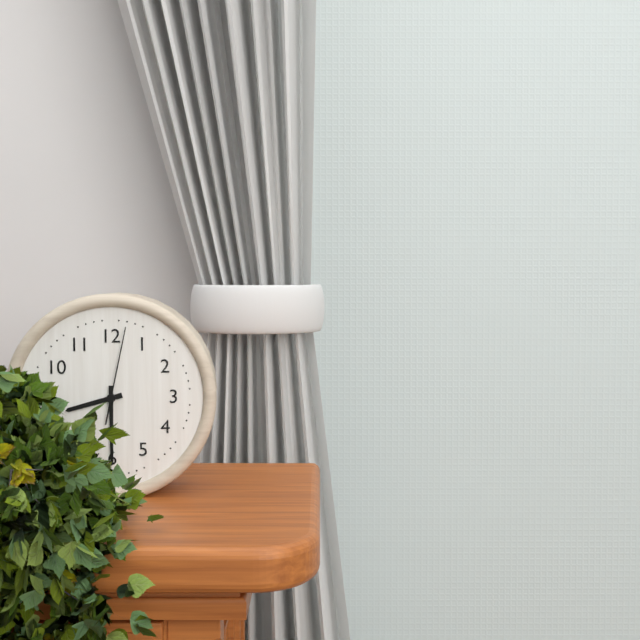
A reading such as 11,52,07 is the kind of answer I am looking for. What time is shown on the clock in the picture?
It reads 8,30,02
